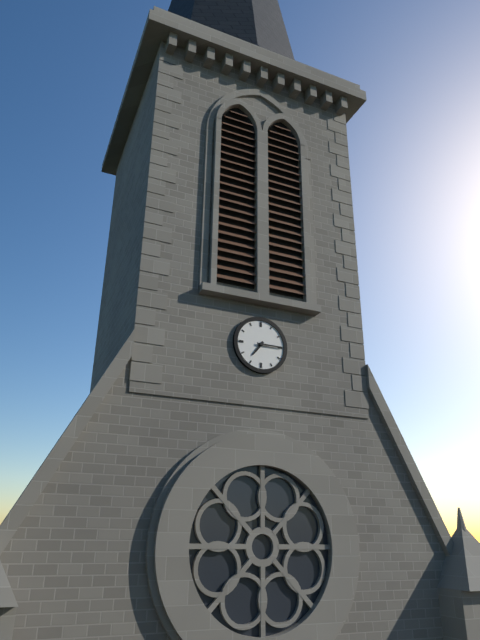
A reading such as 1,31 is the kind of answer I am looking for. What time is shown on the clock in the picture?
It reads 7,15
